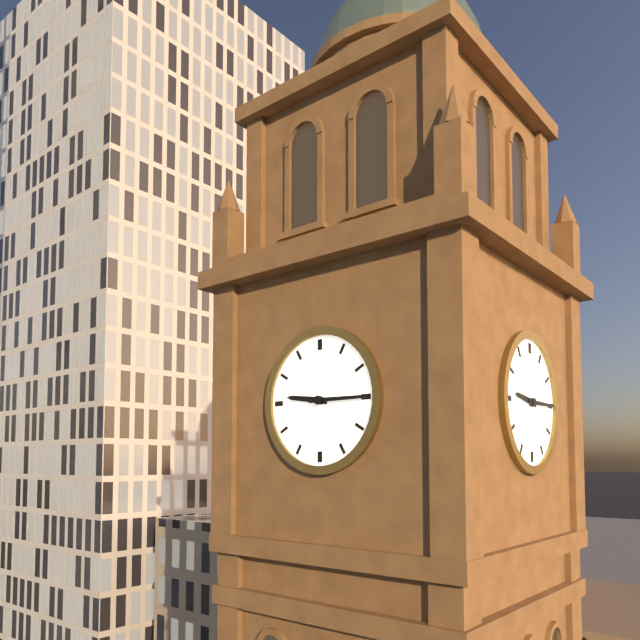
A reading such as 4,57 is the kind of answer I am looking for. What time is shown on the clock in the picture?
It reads 9,15
